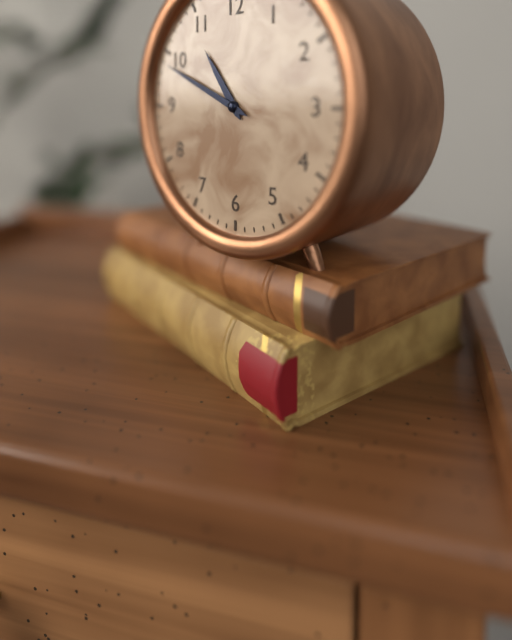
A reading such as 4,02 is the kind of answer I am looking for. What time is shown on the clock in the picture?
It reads 10,49
